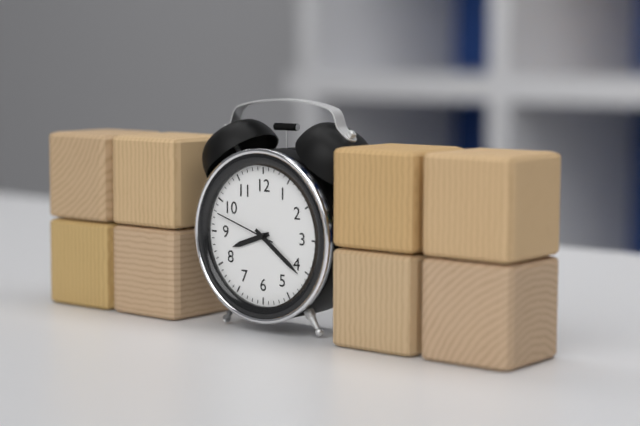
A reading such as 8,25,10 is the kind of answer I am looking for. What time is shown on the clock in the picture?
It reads 8,21,48
